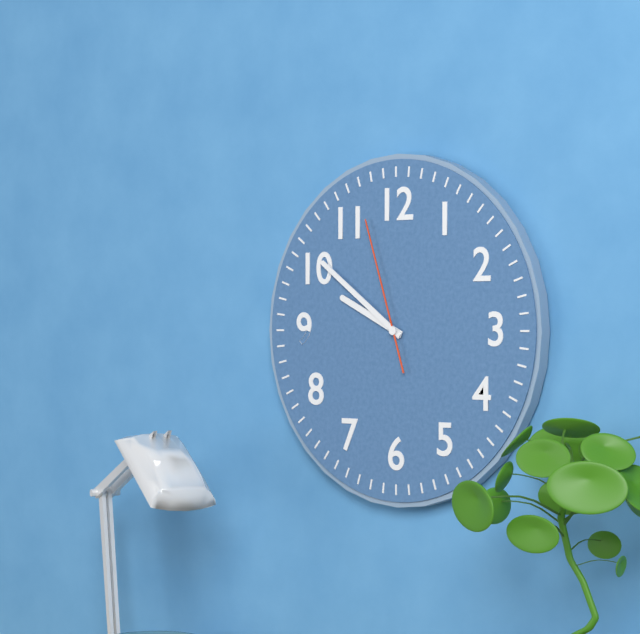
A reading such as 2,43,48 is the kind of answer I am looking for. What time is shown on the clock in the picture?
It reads 9,51,57
